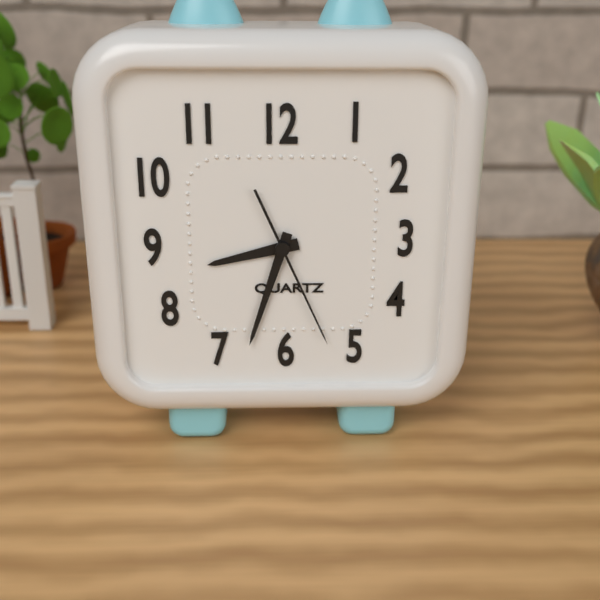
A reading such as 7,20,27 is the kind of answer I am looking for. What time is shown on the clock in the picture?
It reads 8,33,26
